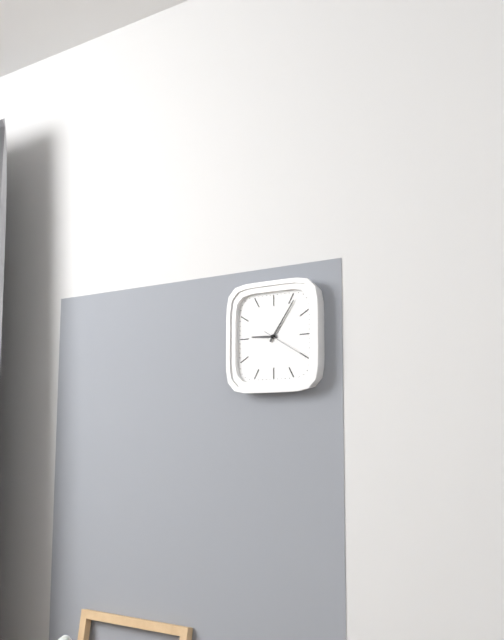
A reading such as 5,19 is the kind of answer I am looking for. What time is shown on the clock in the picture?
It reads 9,06
